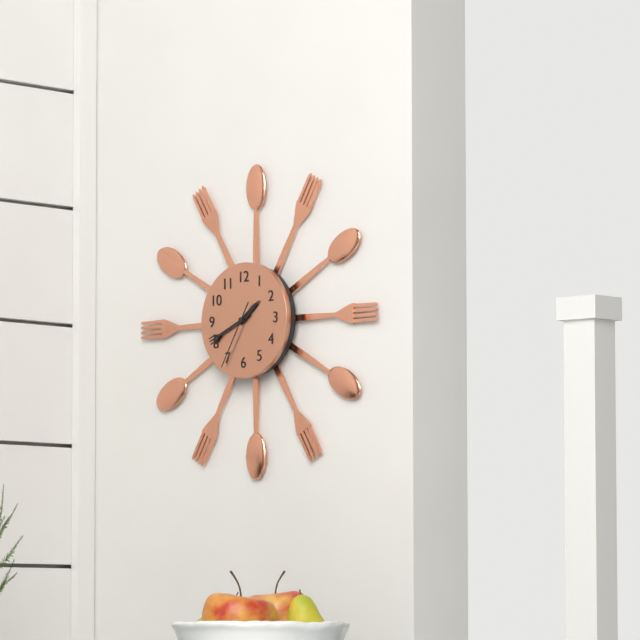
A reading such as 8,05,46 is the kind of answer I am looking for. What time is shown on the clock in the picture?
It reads 1,41,35
